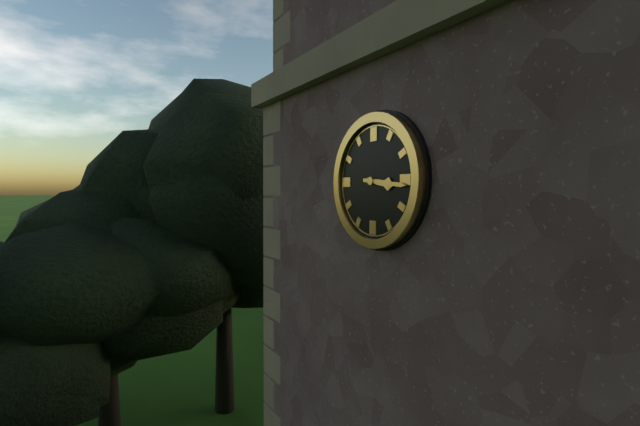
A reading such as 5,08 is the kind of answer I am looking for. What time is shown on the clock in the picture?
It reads 3,16
